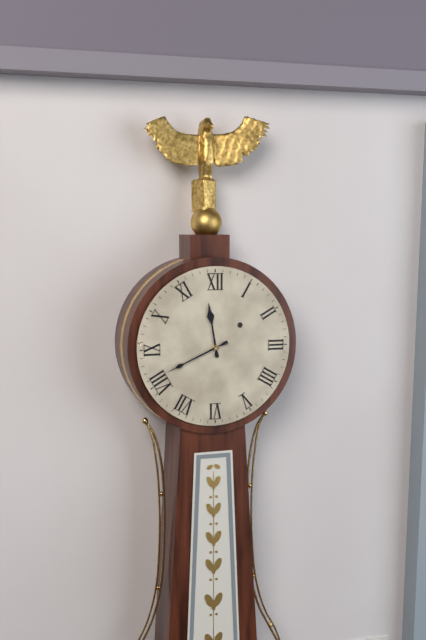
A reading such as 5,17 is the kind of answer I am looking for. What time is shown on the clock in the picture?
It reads 11,41
